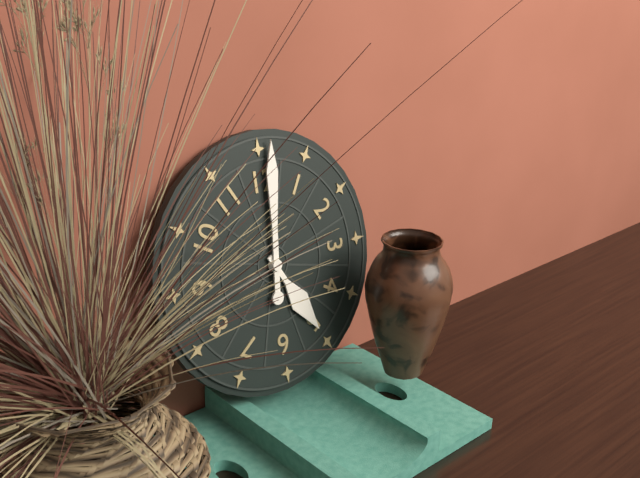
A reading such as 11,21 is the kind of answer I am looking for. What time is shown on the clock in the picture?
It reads 5,01
